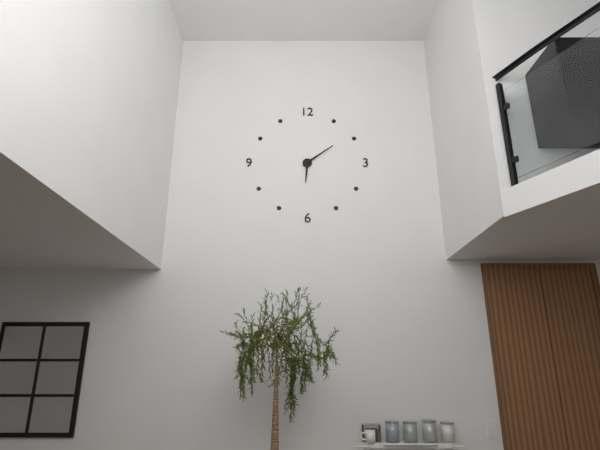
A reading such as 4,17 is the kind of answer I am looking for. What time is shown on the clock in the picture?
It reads 6,09
